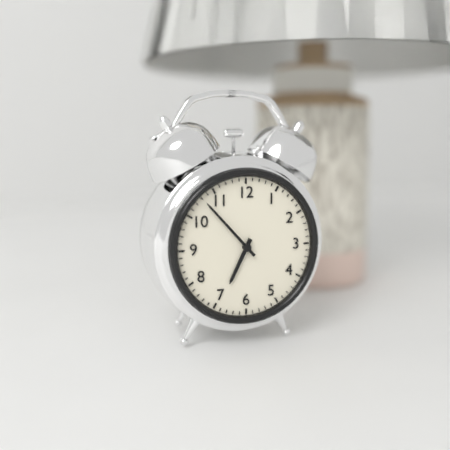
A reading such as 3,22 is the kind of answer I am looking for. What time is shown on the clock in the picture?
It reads 6,53
